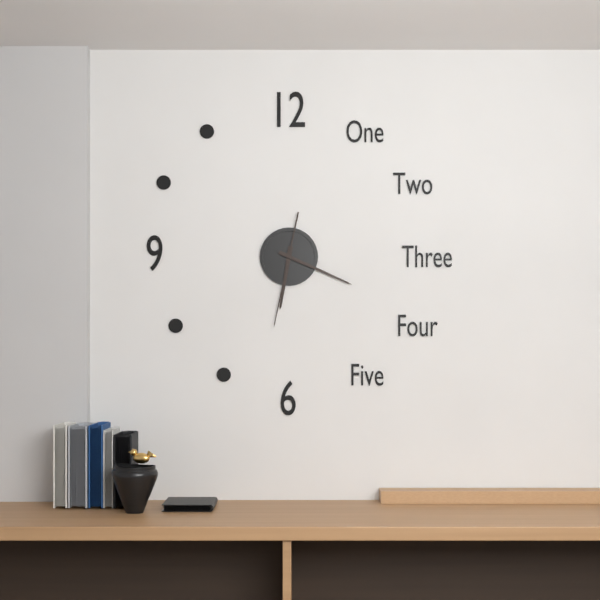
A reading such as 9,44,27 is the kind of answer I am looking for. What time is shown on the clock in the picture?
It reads 6,19,32
